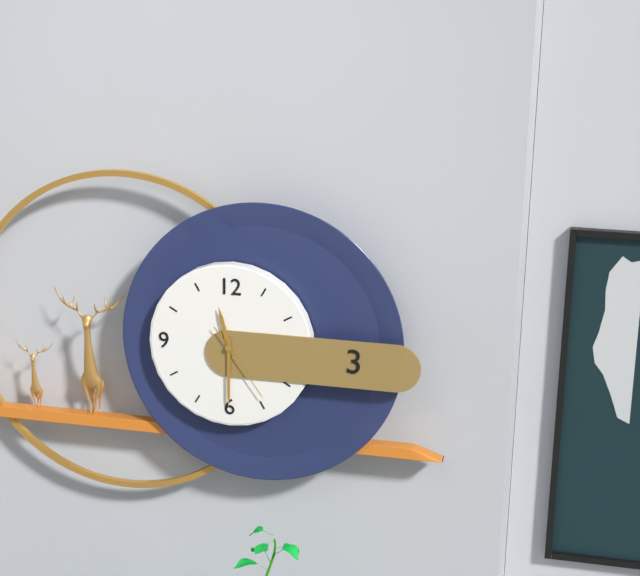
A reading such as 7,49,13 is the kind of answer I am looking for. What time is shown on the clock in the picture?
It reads 11,30,24
